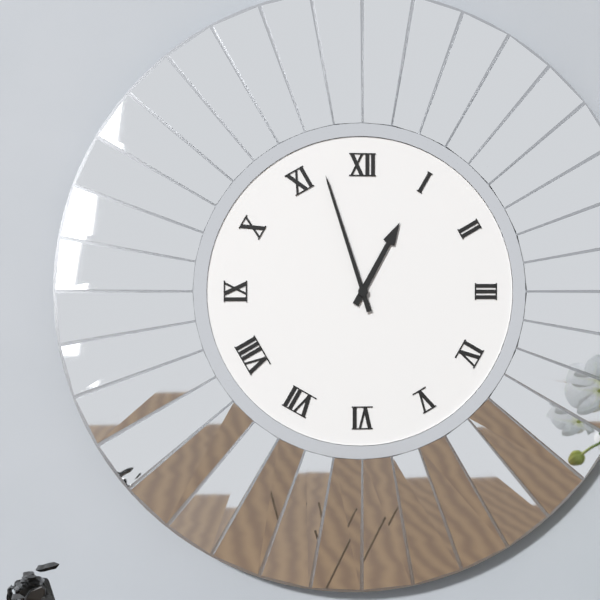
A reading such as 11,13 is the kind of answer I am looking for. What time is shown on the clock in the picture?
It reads 12,57
